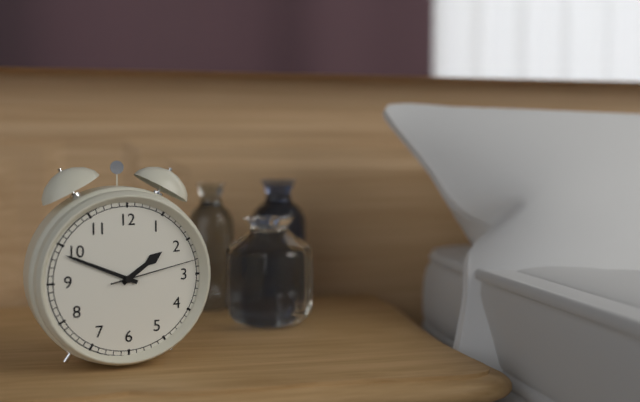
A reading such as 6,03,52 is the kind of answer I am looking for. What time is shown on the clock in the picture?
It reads 1,49,13
